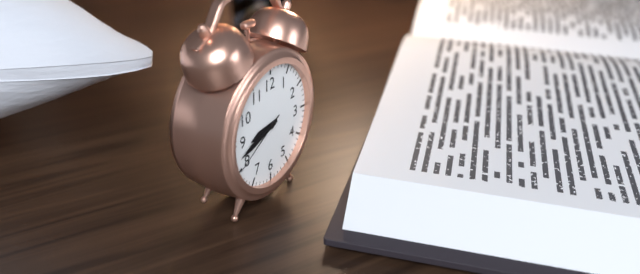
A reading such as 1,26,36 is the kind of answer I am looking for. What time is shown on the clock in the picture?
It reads 8,42,40
